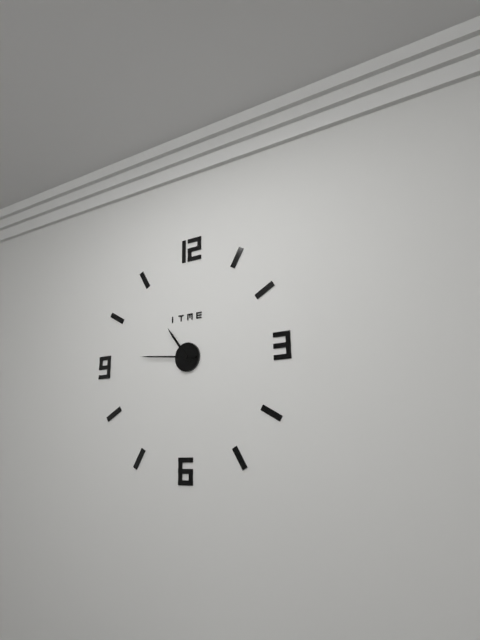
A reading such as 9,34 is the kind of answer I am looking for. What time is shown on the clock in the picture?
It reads 10,46
